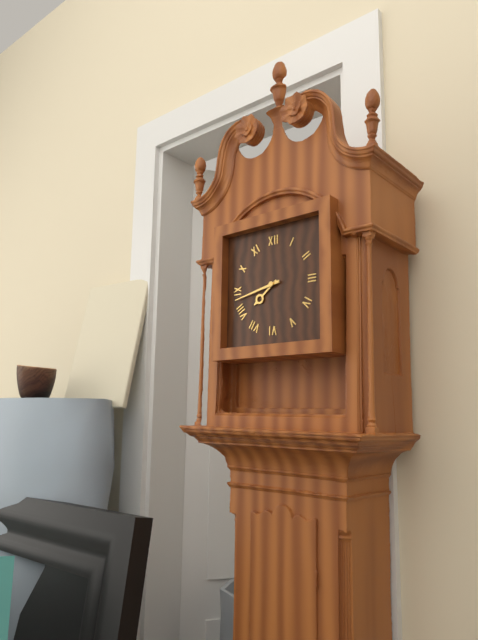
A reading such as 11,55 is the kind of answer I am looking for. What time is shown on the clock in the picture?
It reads 7,43
